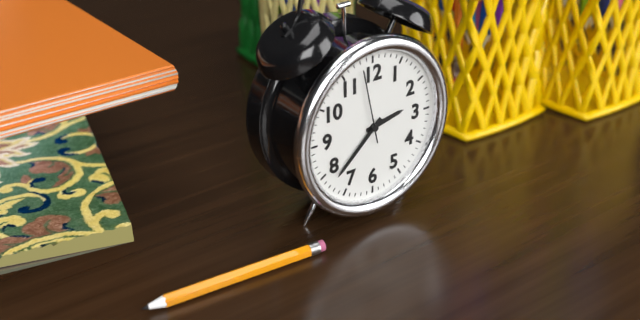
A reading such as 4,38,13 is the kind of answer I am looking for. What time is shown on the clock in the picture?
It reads 2,38,58
